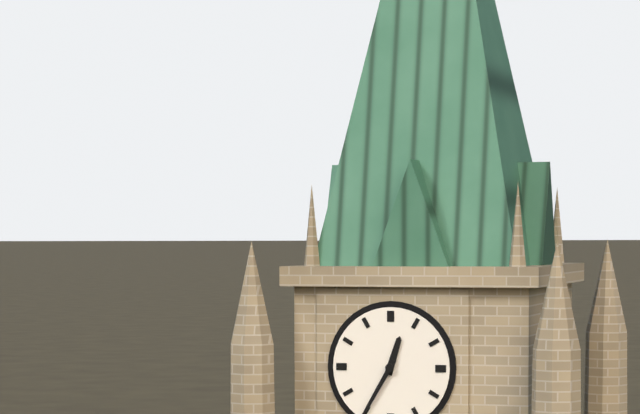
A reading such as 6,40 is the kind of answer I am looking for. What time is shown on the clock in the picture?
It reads 12,35
